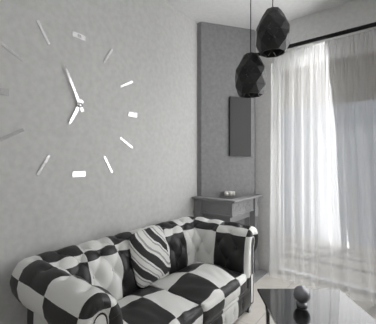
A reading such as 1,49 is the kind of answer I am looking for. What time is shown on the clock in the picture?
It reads 6,56
